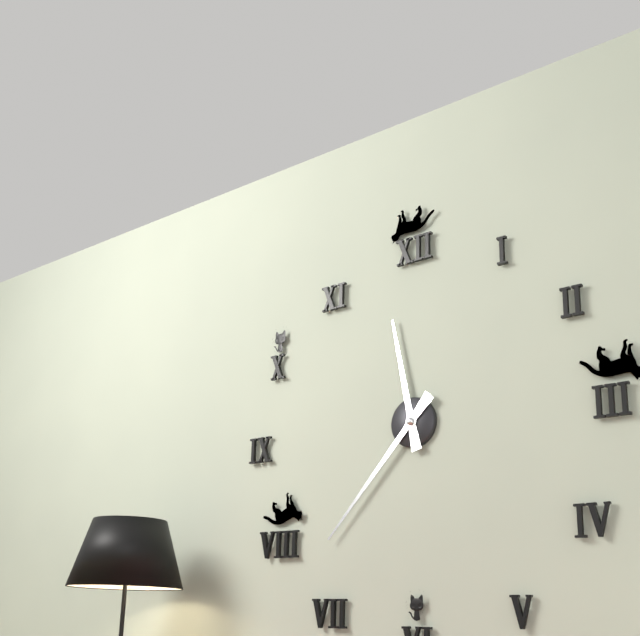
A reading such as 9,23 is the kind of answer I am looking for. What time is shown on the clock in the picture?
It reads 11,37
